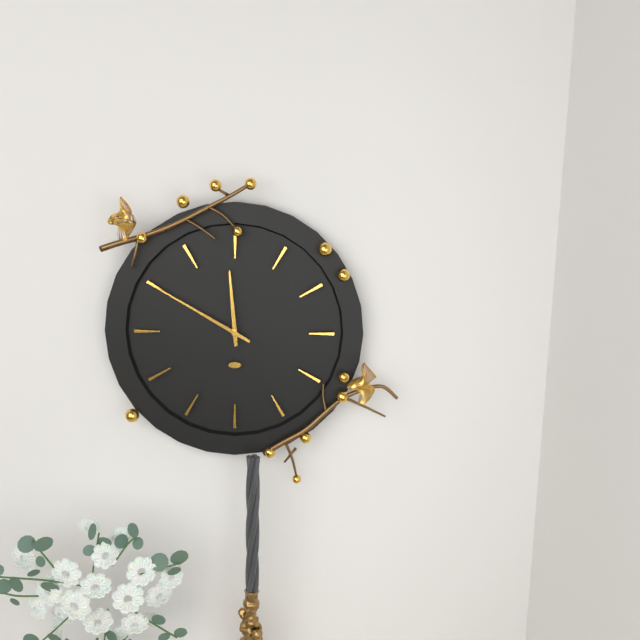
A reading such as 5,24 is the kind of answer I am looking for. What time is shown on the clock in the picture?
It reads 11,50
